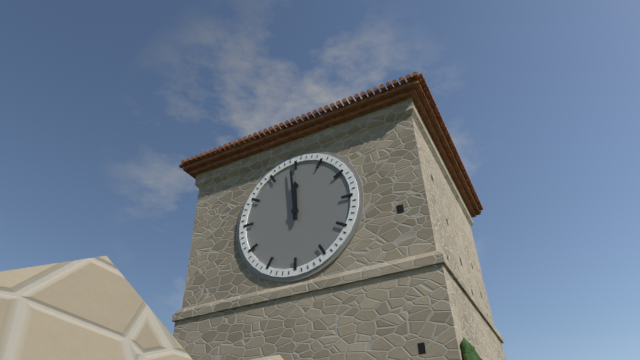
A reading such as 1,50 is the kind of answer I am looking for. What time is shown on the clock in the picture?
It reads 11,59
